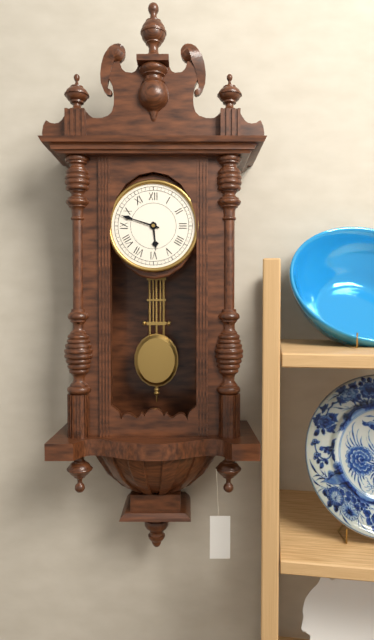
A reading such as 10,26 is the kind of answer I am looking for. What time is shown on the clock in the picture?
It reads 5,48
